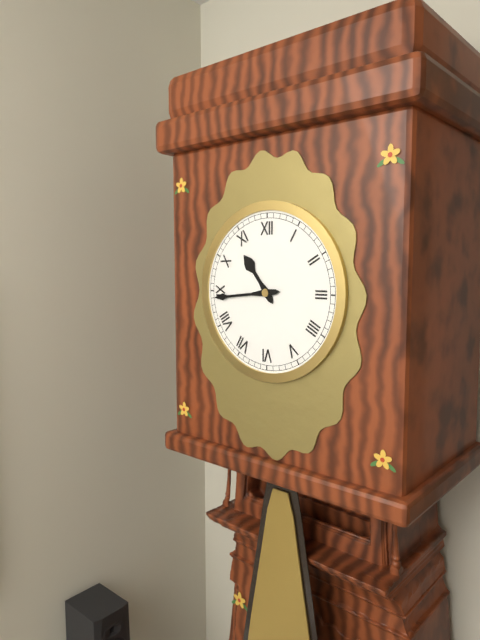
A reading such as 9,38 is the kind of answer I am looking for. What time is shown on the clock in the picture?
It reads 10,44
